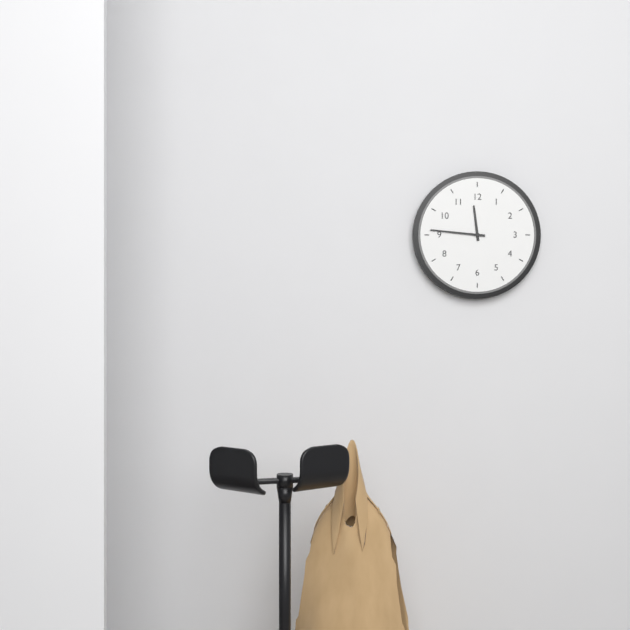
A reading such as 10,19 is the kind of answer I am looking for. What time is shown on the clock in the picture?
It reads 11,46
